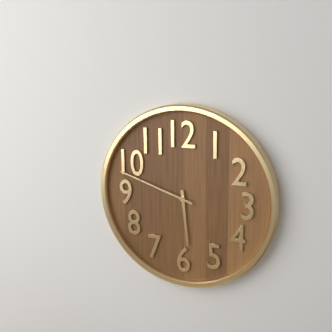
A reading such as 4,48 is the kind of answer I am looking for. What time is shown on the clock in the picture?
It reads 5,48
